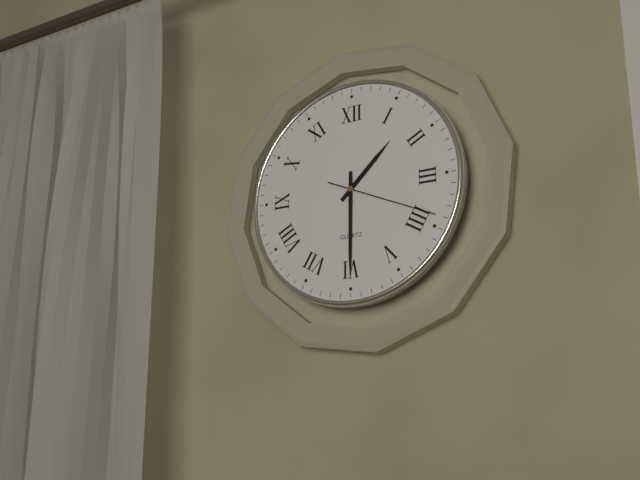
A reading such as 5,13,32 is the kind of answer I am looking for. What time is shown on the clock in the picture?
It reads 1,30,19
